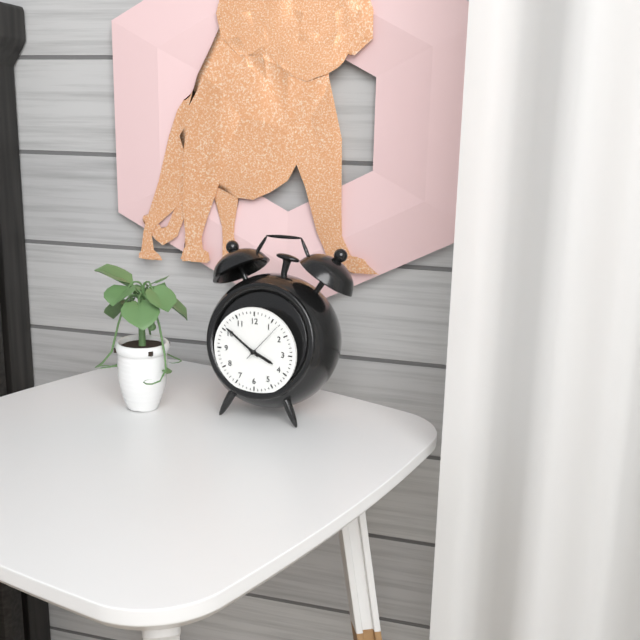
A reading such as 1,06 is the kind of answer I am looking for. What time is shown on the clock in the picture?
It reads 3,51
